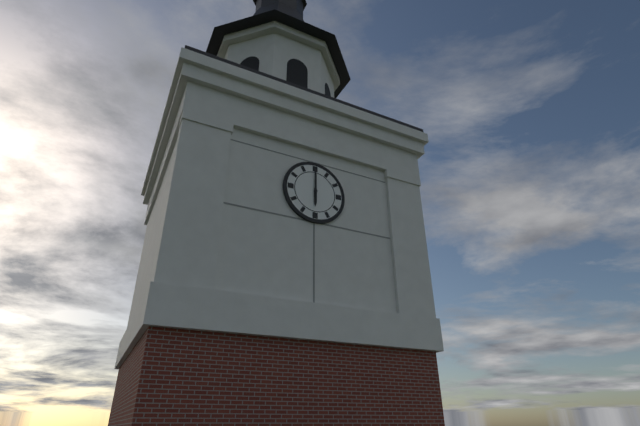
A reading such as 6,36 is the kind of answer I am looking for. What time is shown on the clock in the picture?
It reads 6,00
